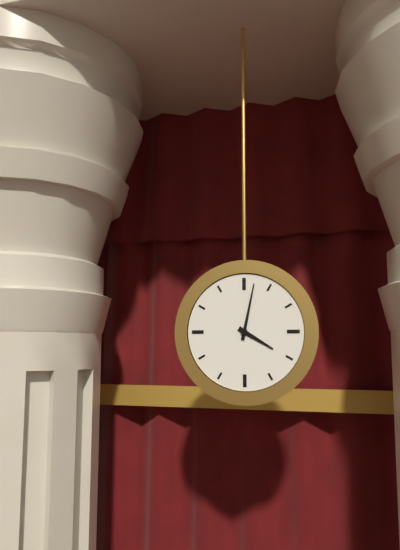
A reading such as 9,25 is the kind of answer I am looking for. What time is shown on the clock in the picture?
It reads 4,02
